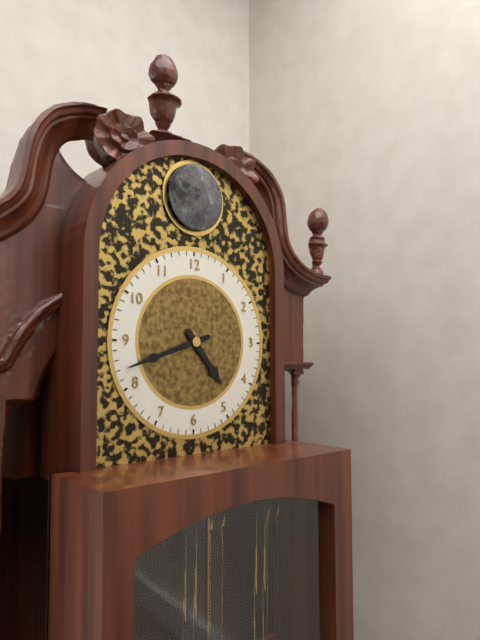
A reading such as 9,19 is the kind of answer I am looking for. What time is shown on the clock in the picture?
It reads 4,42
